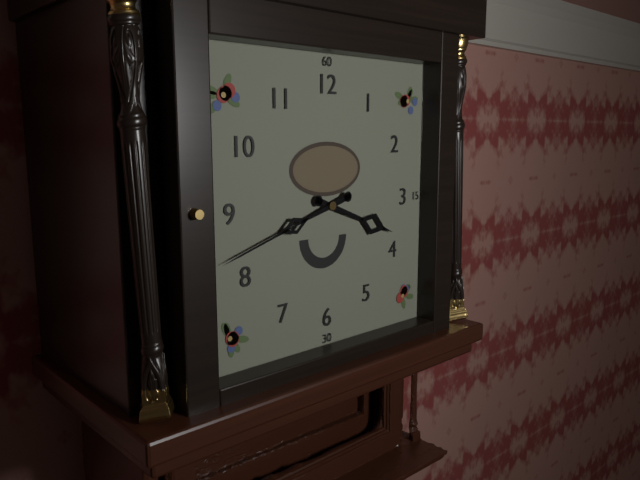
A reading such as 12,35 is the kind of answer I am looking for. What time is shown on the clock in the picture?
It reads 3,42
